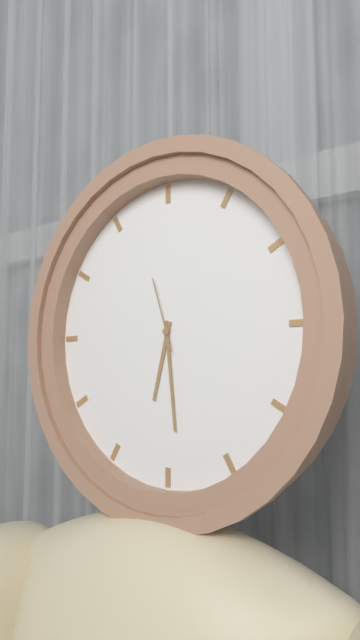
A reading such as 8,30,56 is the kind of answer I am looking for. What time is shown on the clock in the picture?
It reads 6,29,57
